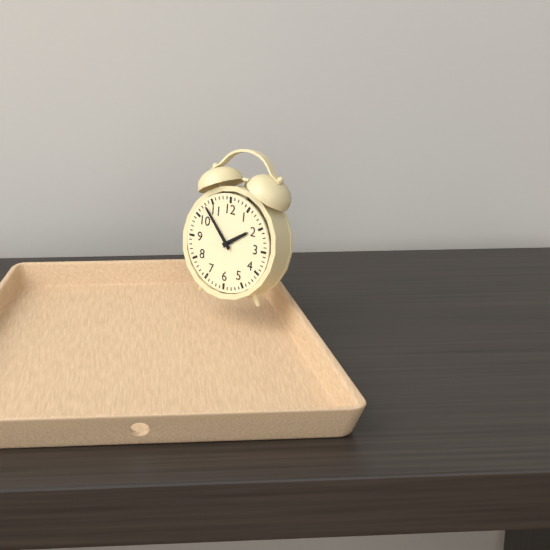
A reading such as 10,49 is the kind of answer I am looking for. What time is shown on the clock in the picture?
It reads 1,53
